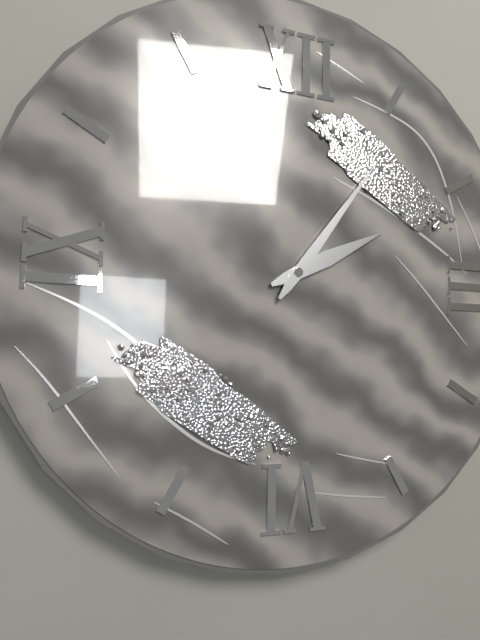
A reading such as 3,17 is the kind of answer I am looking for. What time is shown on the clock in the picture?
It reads 2,06
